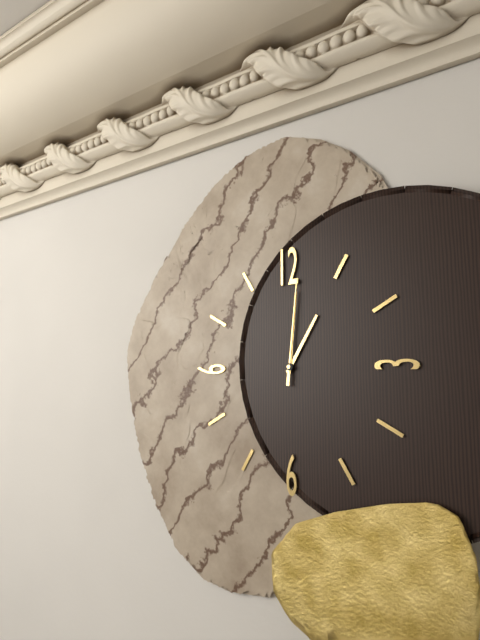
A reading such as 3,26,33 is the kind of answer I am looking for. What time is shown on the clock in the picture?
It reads 1,01,01
